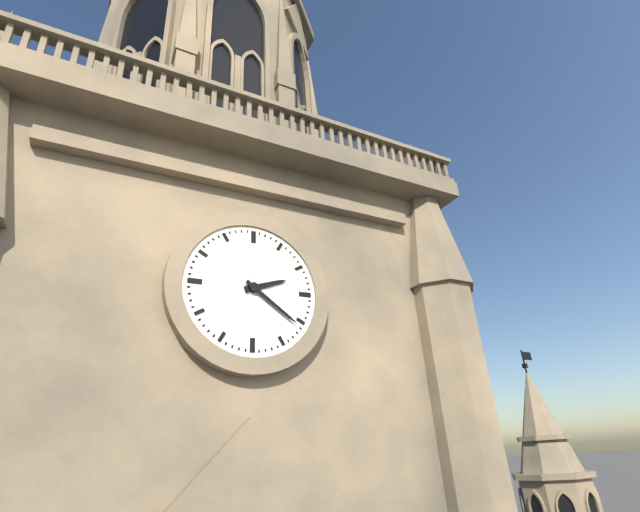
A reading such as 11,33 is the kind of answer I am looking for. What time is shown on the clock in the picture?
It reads 2,21
